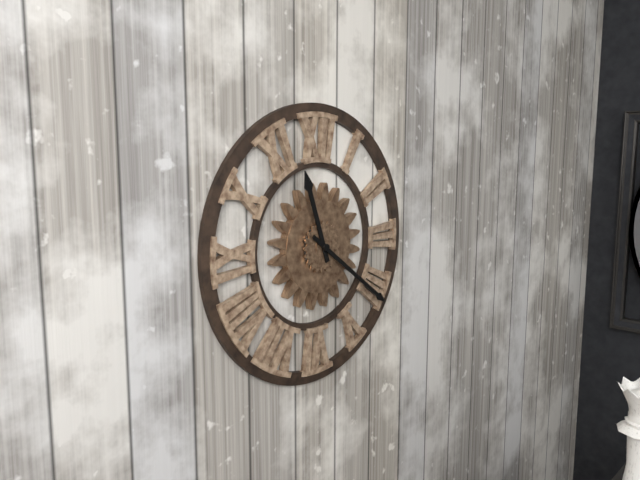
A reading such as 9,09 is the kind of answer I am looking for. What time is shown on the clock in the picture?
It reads 11,21
